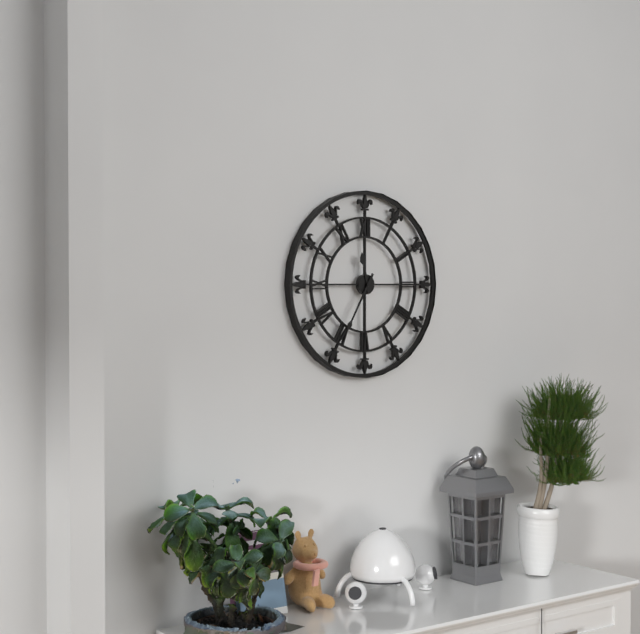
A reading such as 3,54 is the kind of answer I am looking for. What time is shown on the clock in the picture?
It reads 11,35
